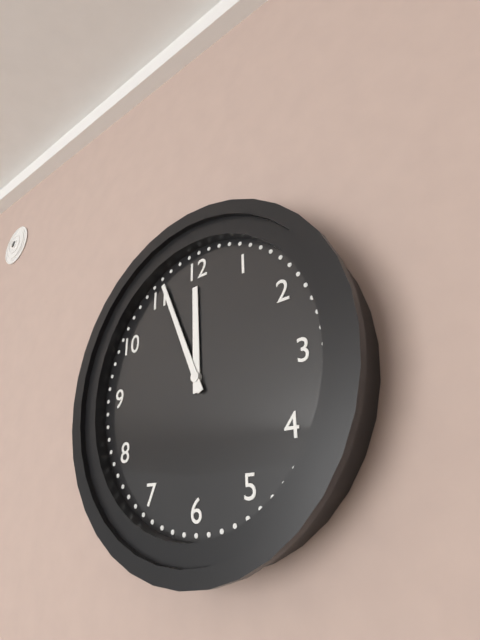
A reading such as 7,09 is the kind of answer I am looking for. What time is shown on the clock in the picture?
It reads 11,56
